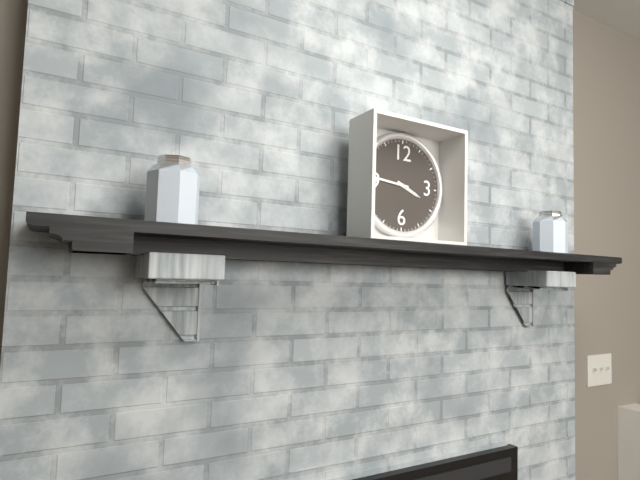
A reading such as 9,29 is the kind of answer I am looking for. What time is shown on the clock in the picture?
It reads 3,46
